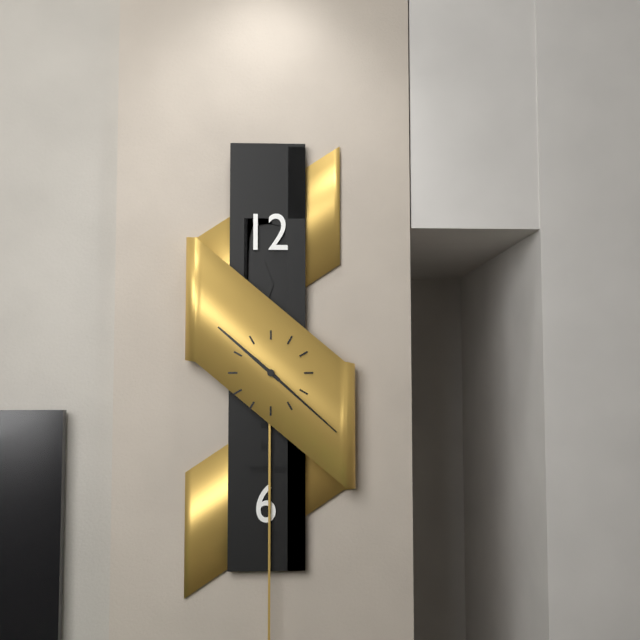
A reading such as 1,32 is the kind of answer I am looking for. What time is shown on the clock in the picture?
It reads 10,22
